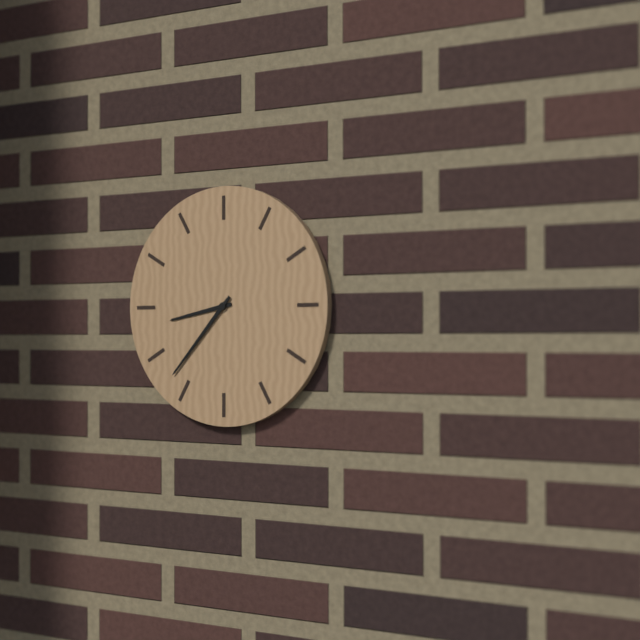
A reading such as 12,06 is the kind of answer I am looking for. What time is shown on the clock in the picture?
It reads 8,37
